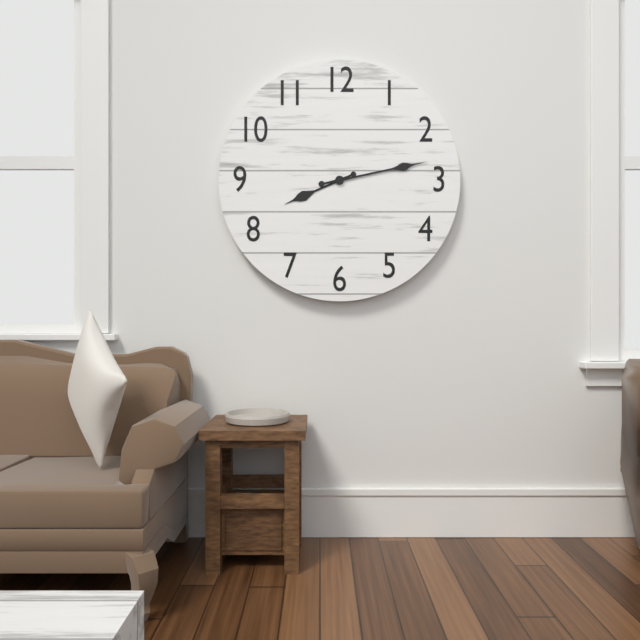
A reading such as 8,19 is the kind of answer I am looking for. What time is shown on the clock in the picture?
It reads 8,13
